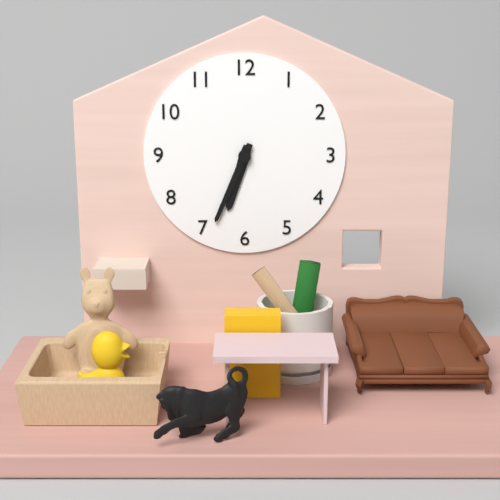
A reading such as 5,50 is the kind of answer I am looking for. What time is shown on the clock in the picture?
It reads 6,34
